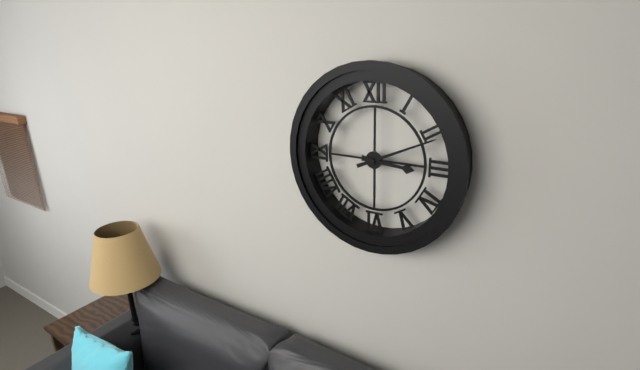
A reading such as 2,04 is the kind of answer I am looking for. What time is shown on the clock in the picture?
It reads 3,11
